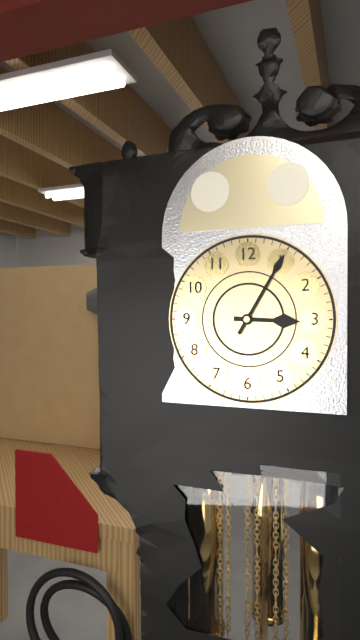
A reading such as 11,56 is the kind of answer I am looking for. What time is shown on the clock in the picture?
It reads 3,05
